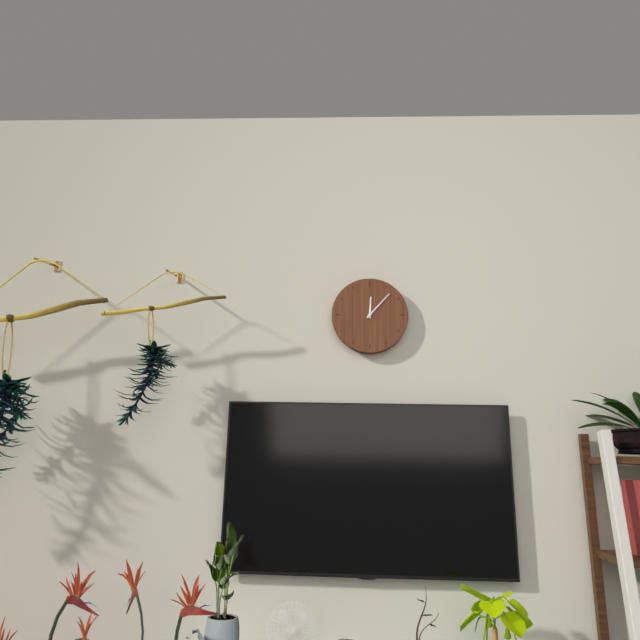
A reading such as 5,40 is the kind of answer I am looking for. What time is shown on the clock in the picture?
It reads 12,07
